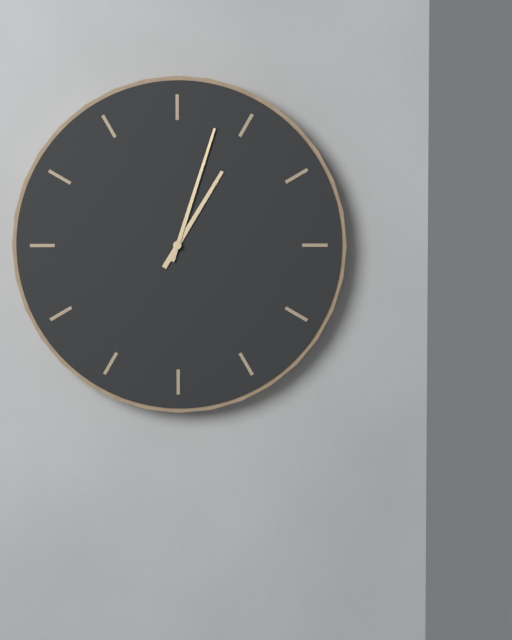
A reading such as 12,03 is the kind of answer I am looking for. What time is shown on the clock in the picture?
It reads 1,03
